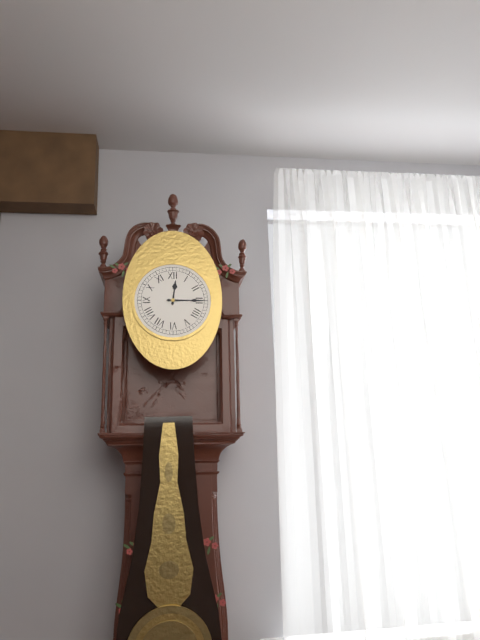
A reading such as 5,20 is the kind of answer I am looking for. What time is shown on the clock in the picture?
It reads 12,15
